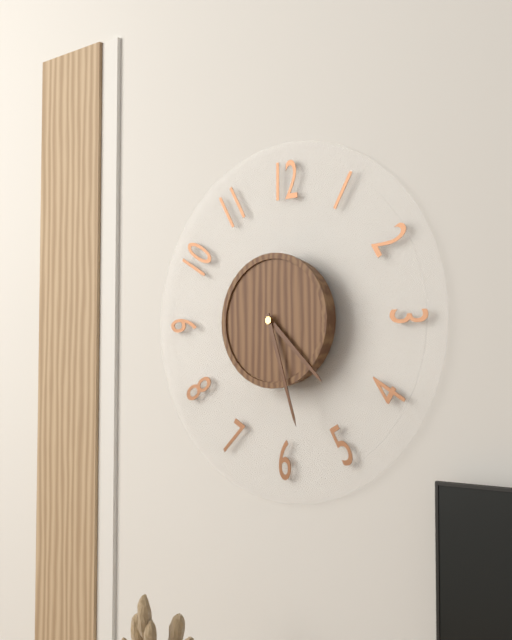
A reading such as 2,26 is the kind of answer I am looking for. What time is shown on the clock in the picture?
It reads 4,27
